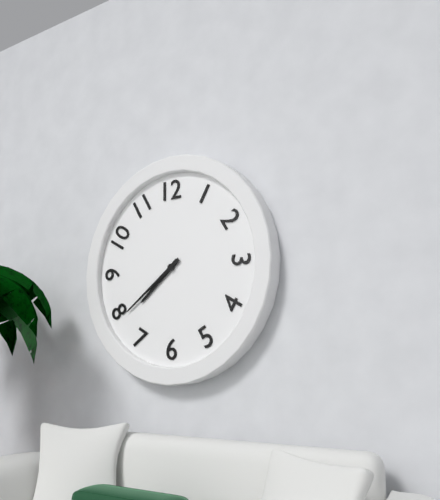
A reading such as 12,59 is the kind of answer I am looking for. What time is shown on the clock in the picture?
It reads 7,39
